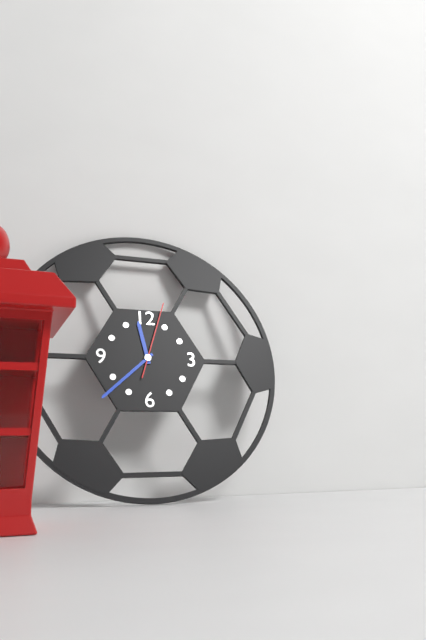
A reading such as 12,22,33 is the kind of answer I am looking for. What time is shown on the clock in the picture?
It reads 11,38,03
